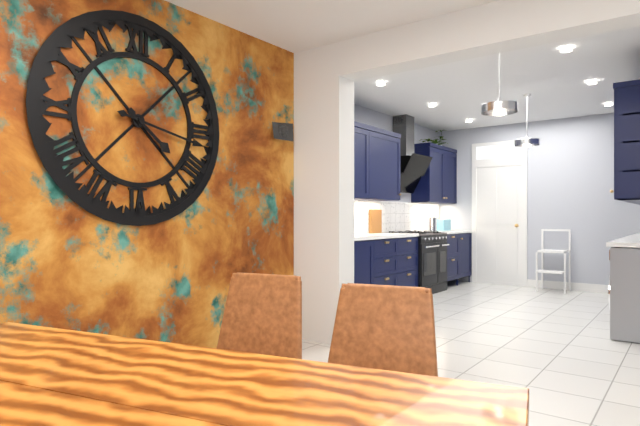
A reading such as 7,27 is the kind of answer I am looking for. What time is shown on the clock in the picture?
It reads 4,17
